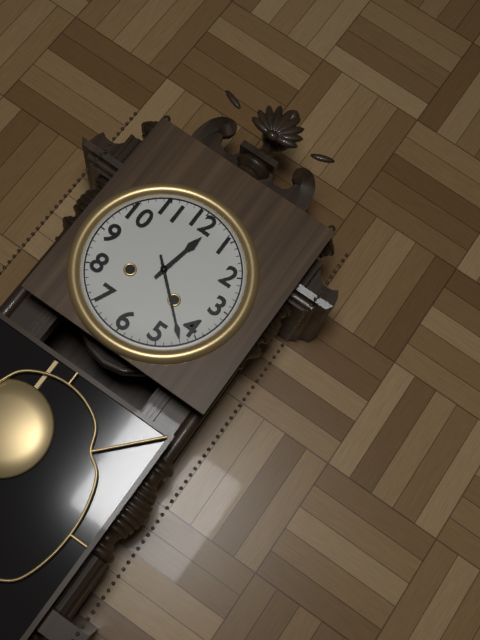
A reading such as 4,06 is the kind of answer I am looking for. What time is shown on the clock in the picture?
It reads 12,22
